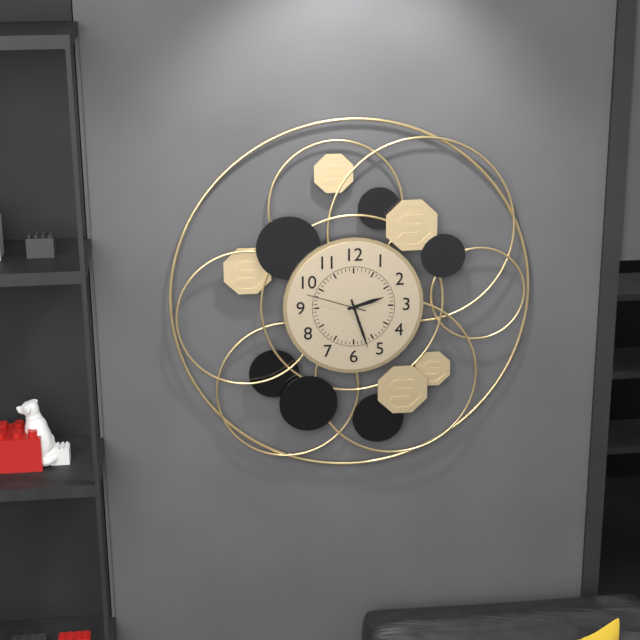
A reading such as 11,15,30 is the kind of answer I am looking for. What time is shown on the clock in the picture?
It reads 2,27,48
